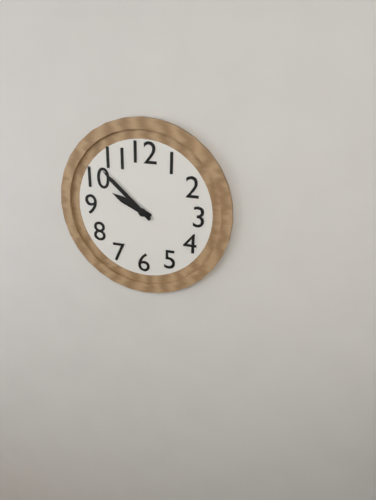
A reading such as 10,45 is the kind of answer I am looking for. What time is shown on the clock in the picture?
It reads 9,52
